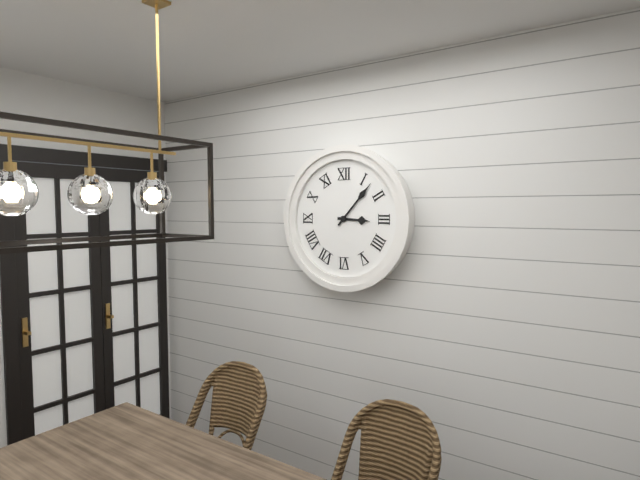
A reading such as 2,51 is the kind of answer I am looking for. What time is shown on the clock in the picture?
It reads 3,07
